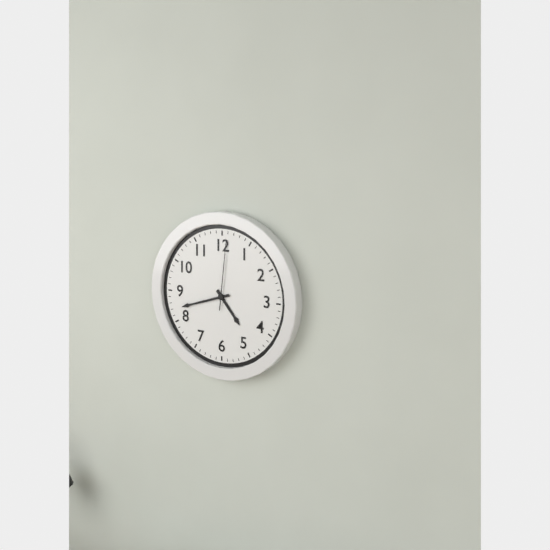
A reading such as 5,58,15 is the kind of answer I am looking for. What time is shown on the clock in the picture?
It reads 4,42,01
